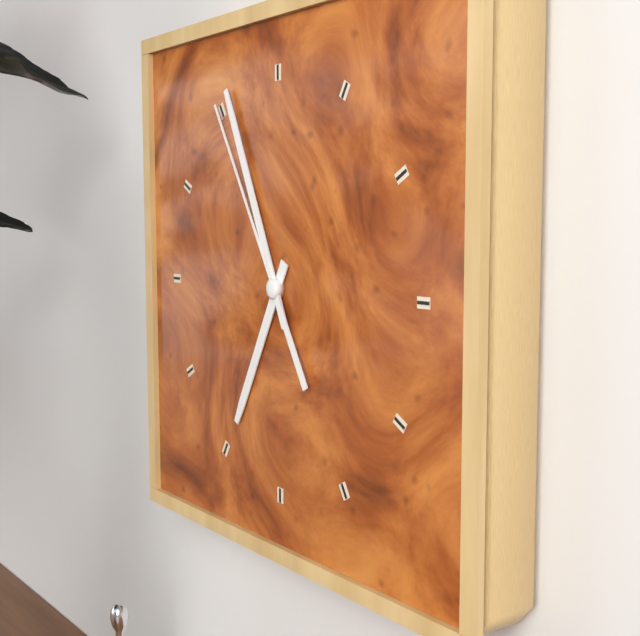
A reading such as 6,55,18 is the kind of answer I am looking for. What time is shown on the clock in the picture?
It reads 6,56,55
